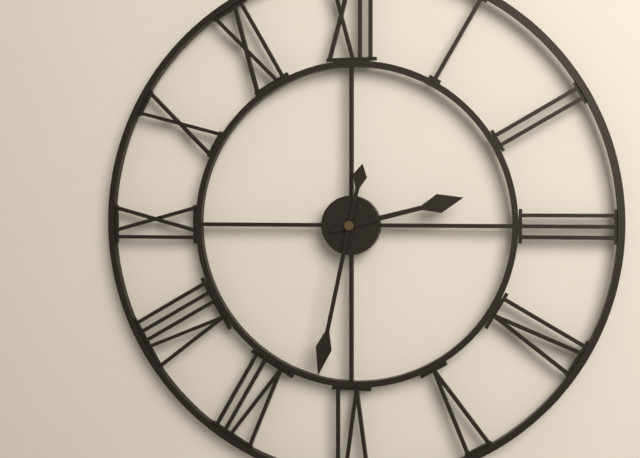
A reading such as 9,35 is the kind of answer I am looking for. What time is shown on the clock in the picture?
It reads 2,32
